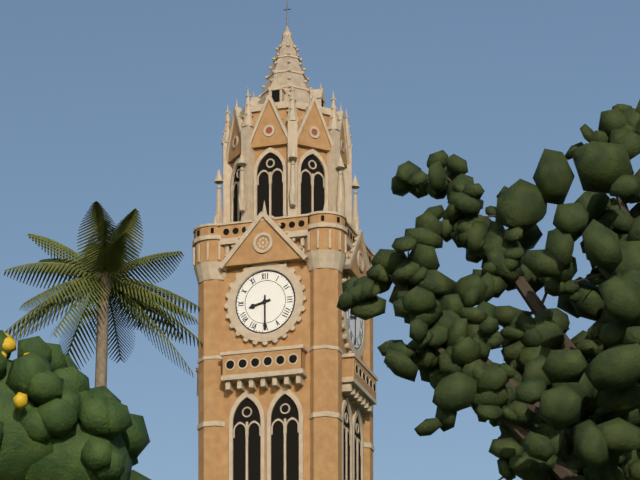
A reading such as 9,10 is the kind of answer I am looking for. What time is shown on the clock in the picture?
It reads 8,30
